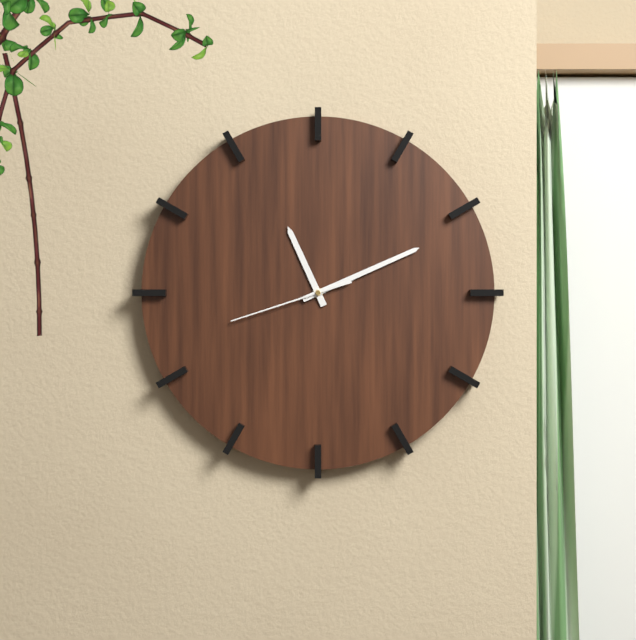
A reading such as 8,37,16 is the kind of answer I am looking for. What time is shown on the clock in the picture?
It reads 11,11,42
